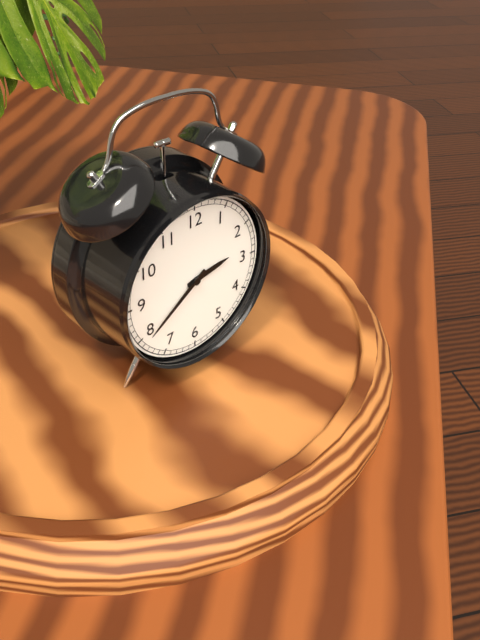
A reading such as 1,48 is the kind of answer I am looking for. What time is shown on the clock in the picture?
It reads 2,39
